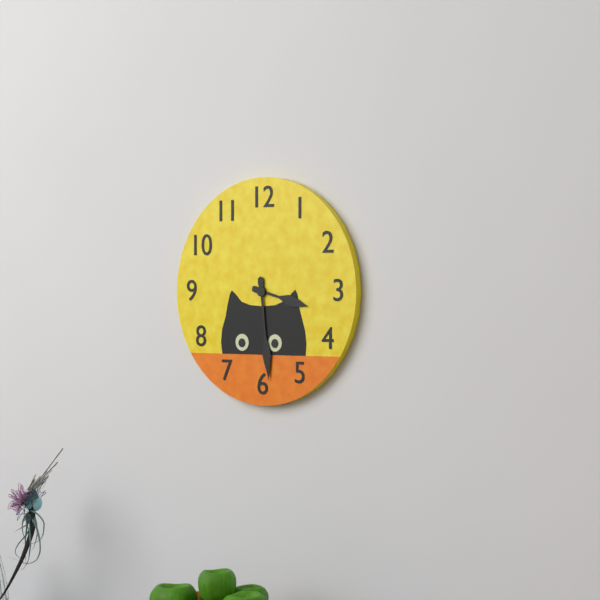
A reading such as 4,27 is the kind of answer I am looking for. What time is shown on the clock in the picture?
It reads 3,29
